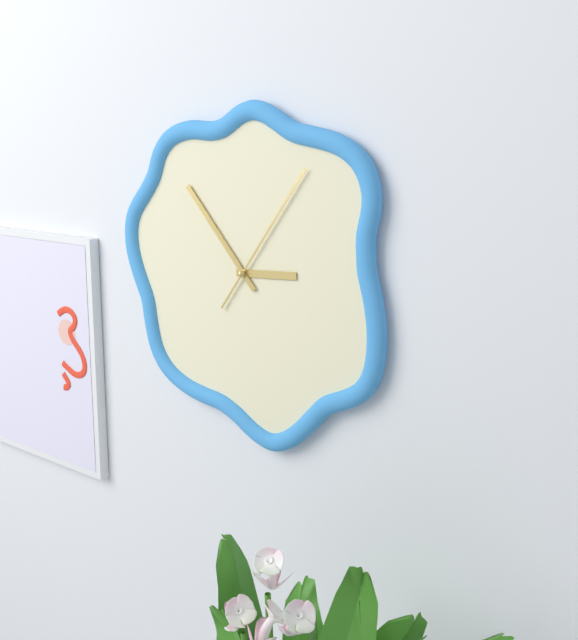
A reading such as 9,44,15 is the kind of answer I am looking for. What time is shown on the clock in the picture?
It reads 2,53,06
